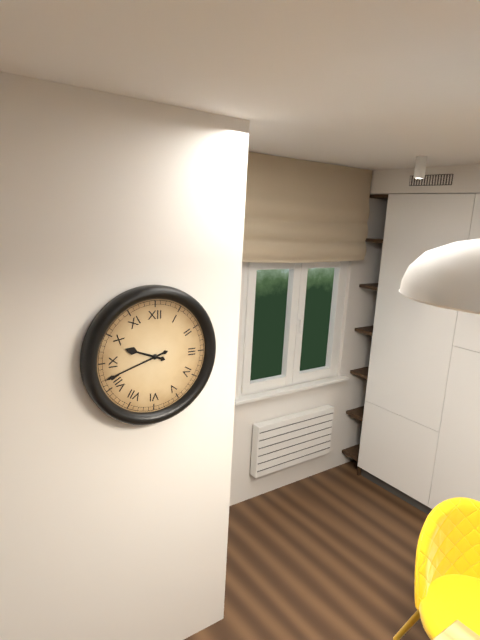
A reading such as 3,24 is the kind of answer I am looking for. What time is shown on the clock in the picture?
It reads 9,42
